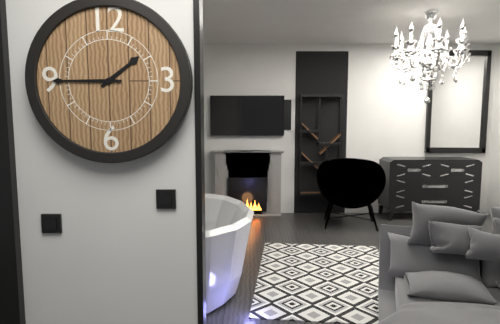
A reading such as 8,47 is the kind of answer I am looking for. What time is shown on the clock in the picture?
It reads 1,45
